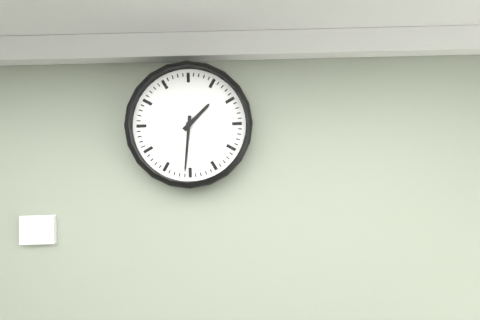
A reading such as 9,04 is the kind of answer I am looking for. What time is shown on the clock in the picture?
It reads 1,31
